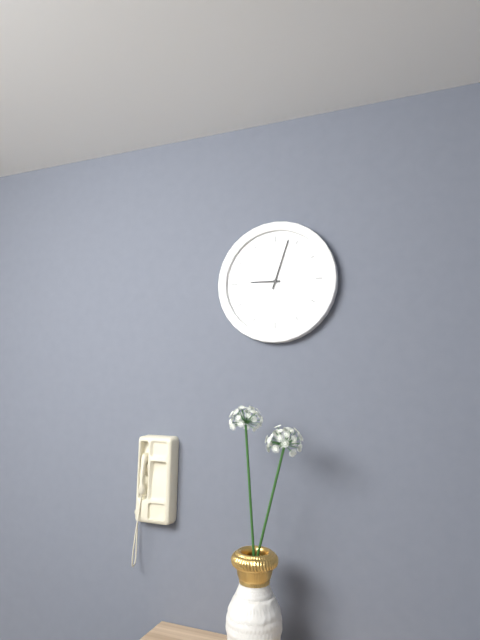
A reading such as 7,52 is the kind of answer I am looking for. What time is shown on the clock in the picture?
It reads 9,03
